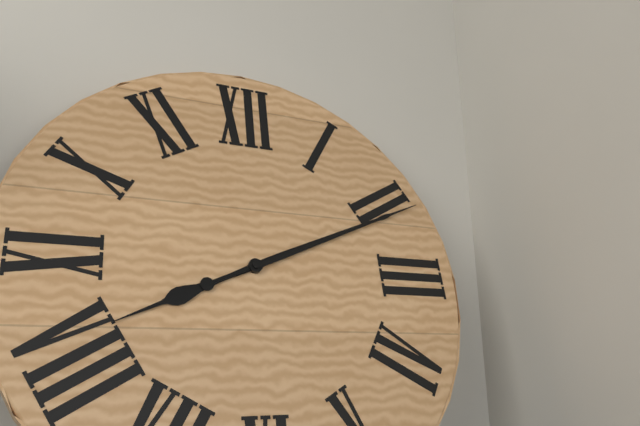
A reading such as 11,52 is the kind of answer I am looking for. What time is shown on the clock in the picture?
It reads 8,11
